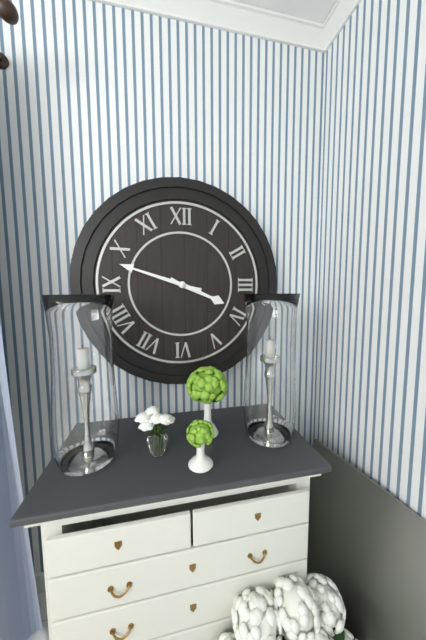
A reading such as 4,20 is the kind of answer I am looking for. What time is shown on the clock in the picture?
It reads 3,48
